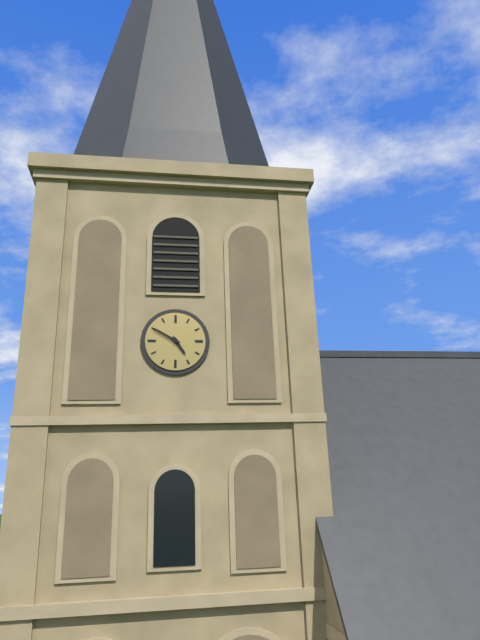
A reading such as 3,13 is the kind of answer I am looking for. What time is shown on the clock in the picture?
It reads 4,50
